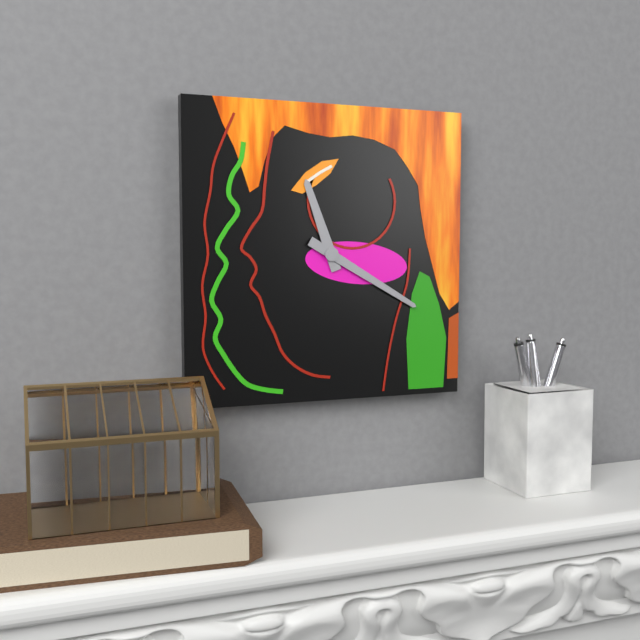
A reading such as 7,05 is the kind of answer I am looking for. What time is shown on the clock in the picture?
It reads 11,20
